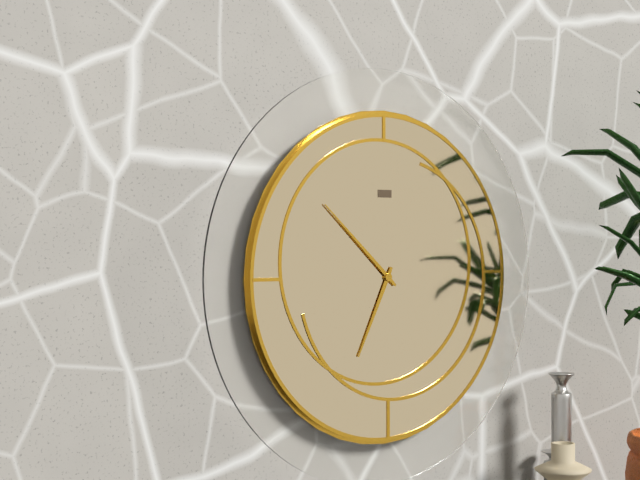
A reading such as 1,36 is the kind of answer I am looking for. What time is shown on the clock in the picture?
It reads 6,52
